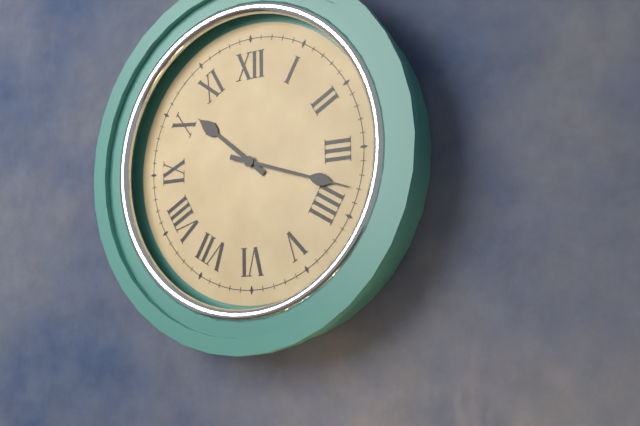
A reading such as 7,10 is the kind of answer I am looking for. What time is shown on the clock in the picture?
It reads 10,18
